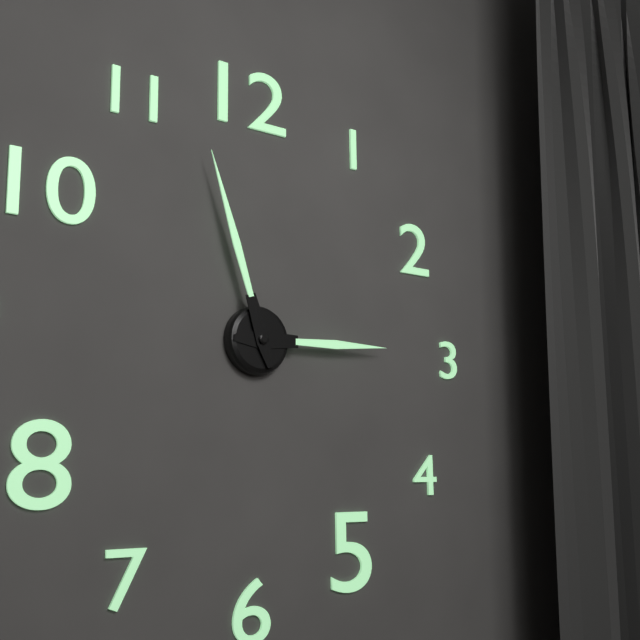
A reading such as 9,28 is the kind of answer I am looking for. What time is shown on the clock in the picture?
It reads 2,57
